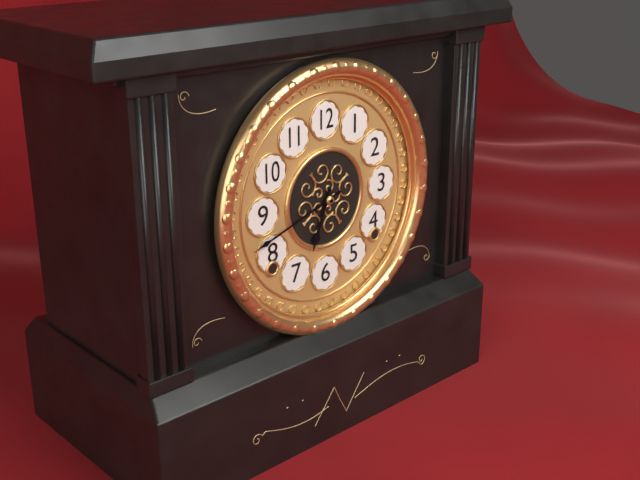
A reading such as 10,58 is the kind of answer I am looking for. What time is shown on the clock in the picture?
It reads 6,42
